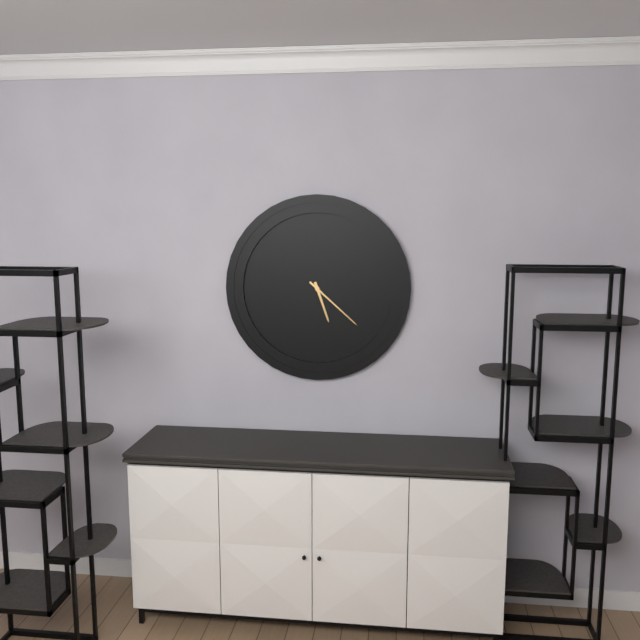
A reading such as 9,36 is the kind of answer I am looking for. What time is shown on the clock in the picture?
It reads 5,22
